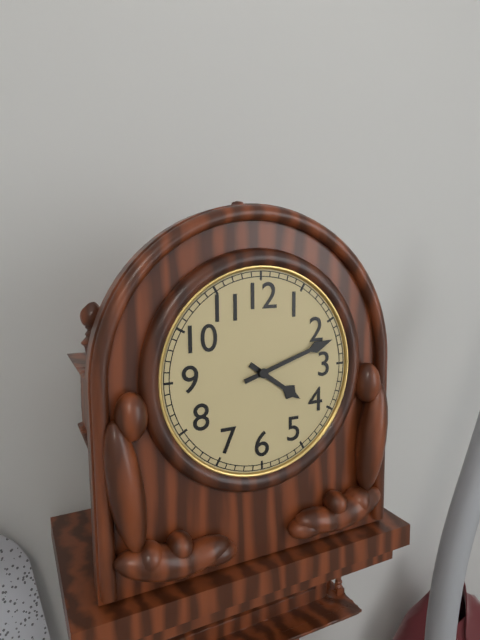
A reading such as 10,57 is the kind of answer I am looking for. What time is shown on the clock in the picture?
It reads 4,12
